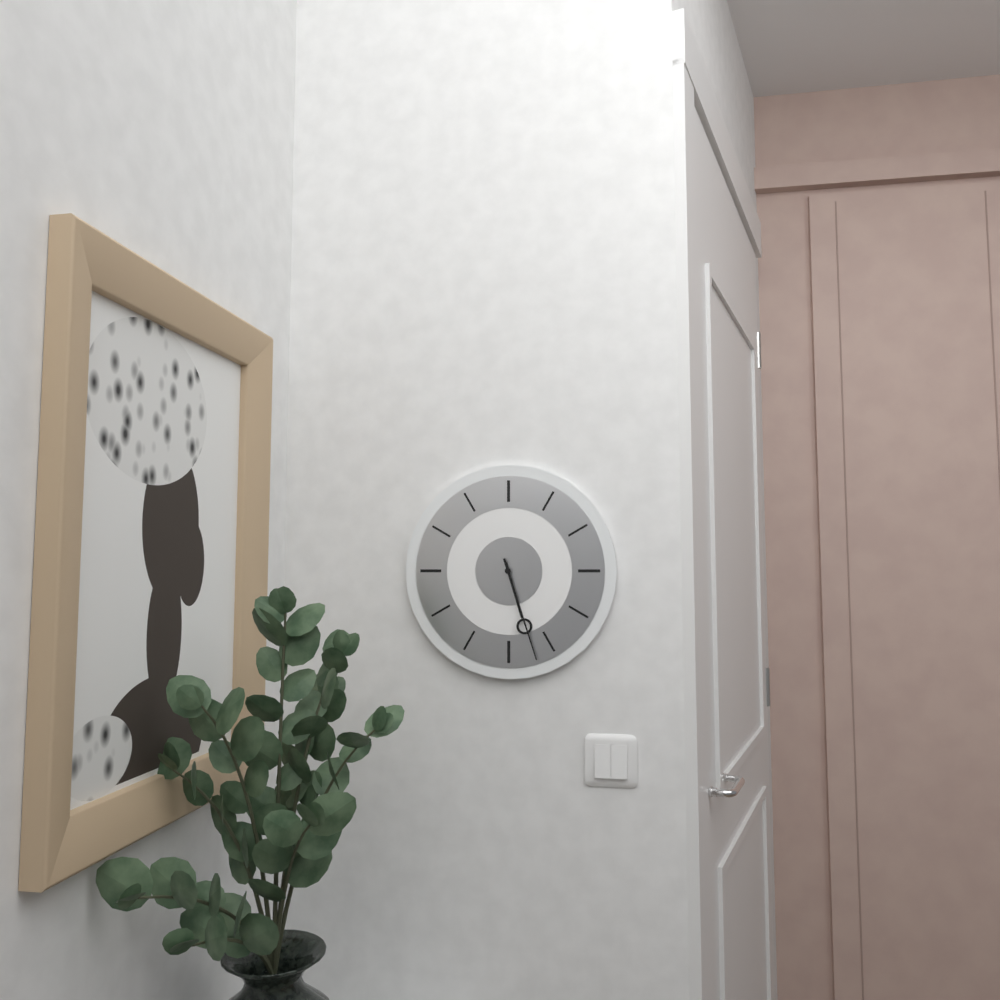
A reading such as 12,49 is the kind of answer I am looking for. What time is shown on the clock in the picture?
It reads 5,27
